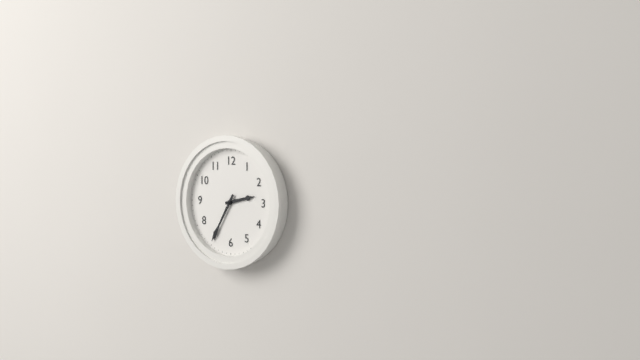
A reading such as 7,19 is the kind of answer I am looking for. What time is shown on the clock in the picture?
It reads 2,35
